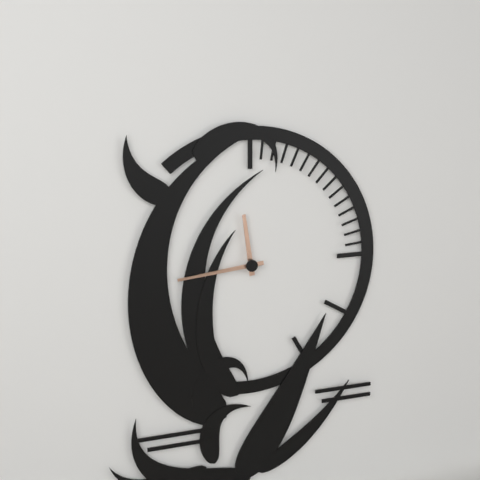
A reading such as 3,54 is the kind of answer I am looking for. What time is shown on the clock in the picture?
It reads 11,44
